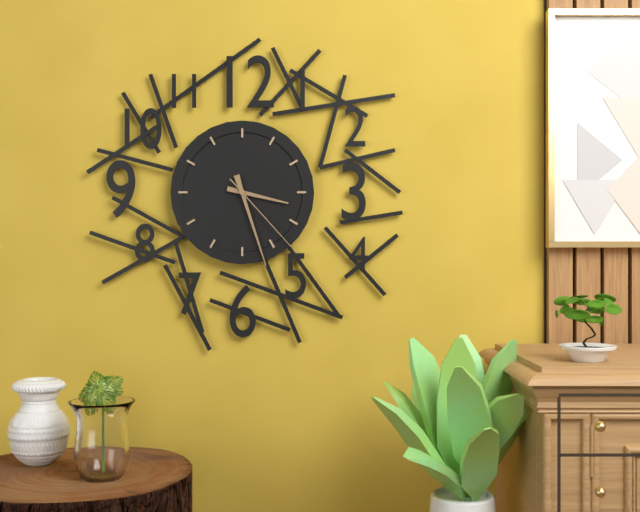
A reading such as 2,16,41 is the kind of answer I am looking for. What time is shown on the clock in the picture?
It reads 3,27,23
